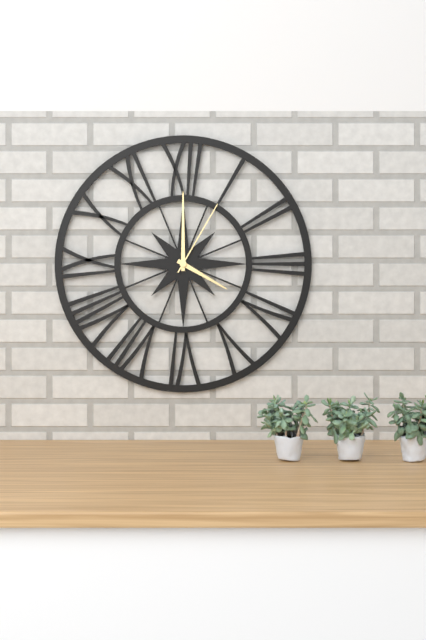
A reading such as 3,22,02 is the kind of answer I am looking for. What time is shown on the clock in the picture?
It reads 4,00,05
